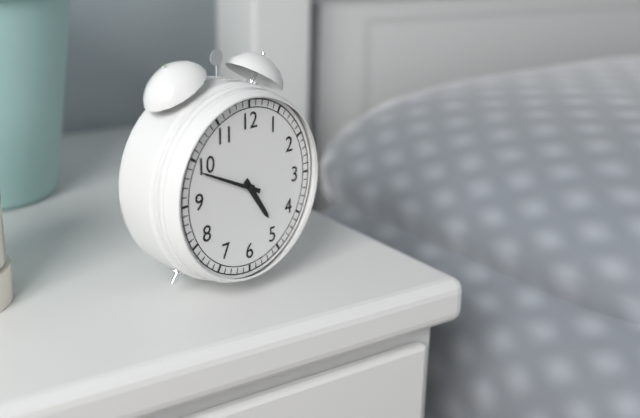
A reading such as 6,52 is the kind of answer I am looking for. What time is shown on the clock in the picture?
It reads 4,49
